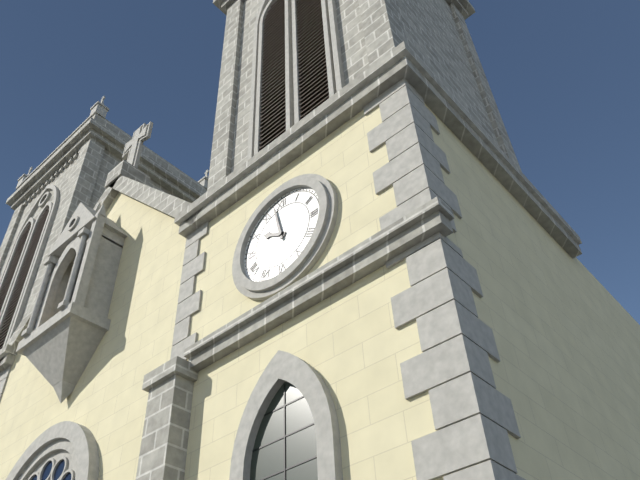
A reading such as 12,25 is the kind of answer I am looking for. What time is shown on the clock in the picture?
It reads 9,58
